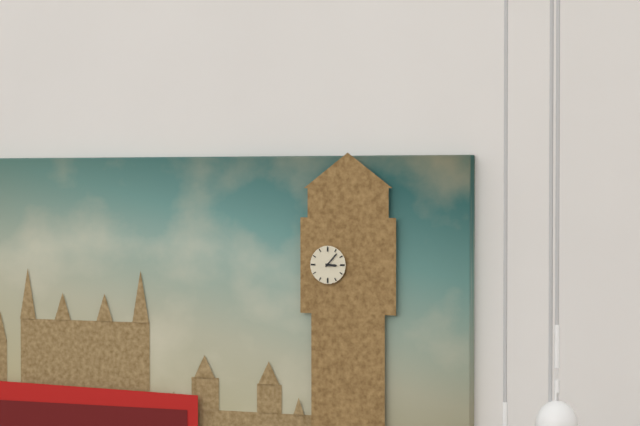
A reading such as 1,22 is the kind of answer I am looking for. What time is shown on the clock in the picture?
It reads 3,07
